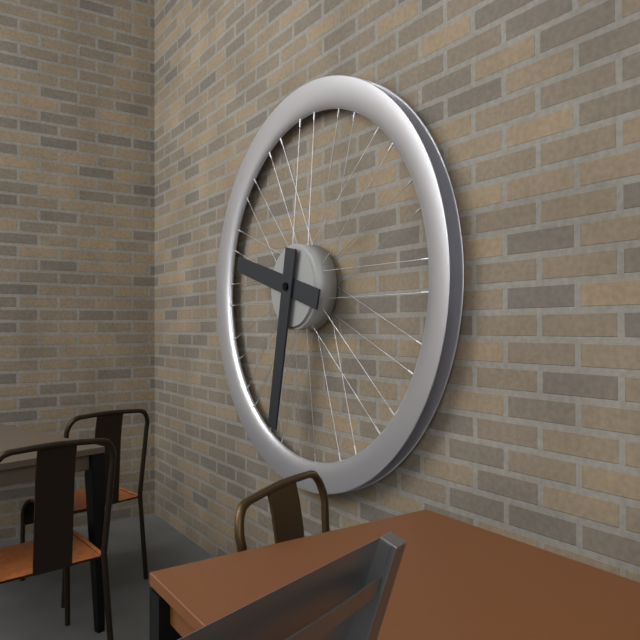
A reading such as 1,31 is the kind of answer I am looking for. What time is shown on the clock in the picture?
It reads 9,32
